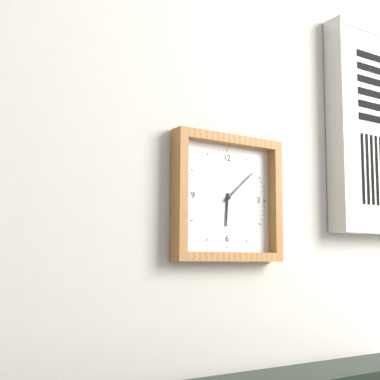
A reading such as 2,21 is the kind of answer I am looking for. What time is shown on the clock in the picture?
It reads 6,08
